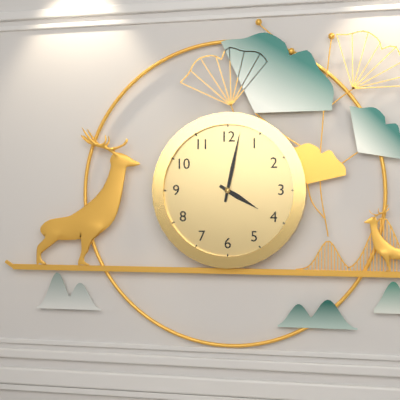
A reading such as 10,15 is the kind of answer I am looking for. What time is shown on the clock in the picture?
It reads 4,02
